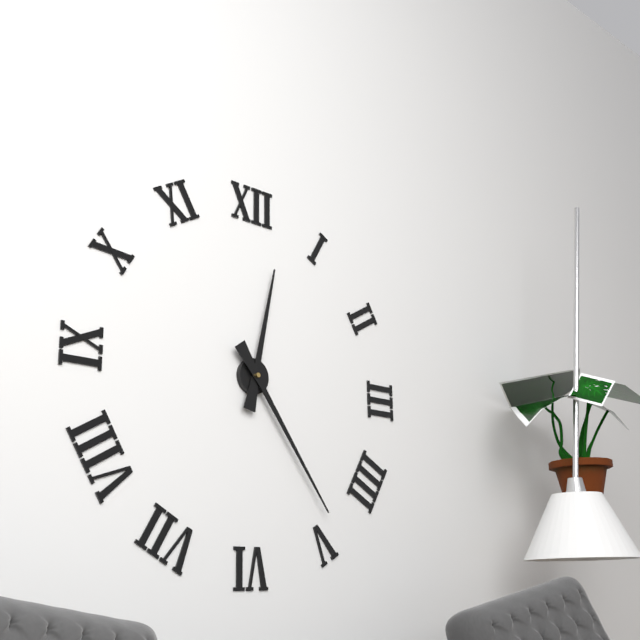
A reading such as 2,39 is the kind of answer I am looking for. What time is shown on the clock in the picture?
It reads 12,24
